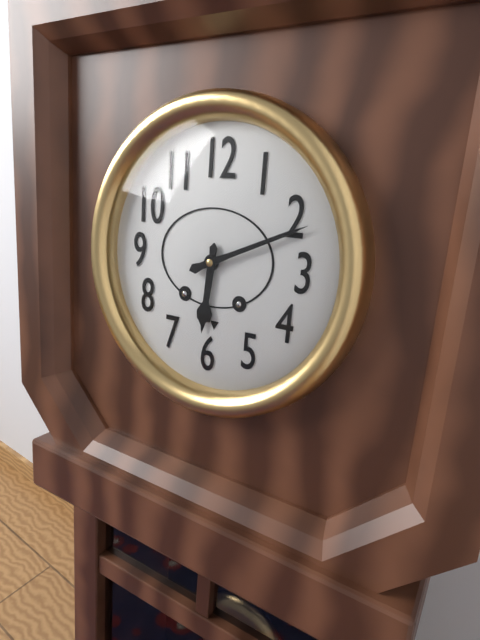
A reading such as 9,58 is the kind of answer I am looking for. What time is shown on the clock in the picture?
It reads 6,11
